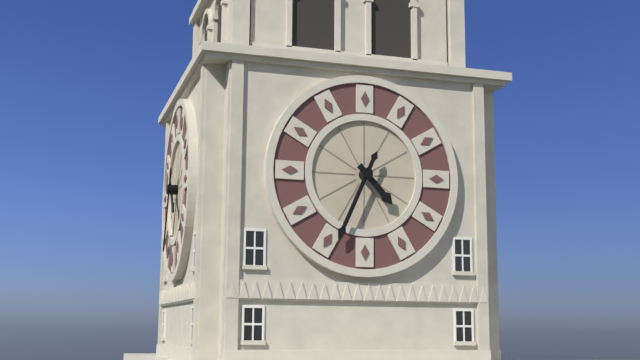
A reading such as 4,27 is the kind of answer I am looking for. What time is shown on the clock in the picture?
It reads 4,34
